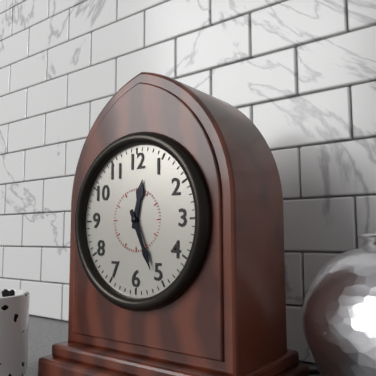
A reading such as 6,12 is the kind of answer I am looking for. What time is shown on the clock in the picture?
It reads 12,26
